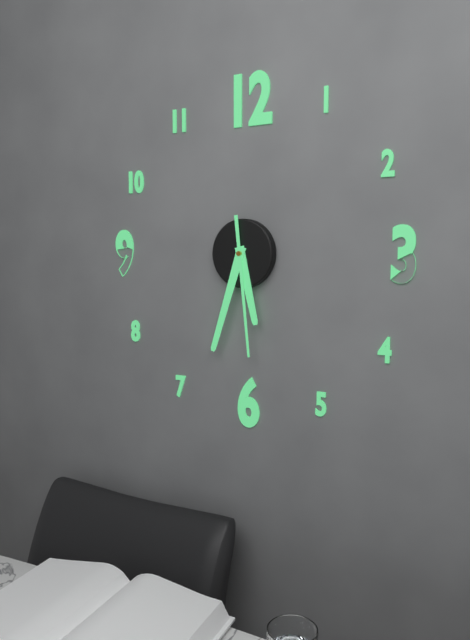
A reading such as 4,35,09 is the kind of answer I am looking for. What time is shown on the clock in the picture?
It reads 5,33,29
